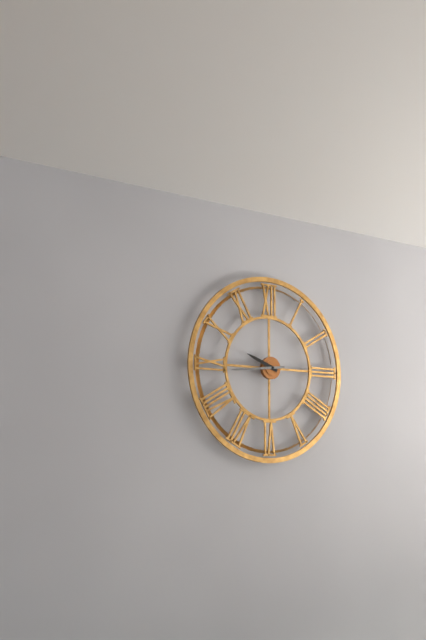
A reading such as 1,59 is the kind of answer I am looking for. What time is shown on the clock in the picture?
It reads 9,44
